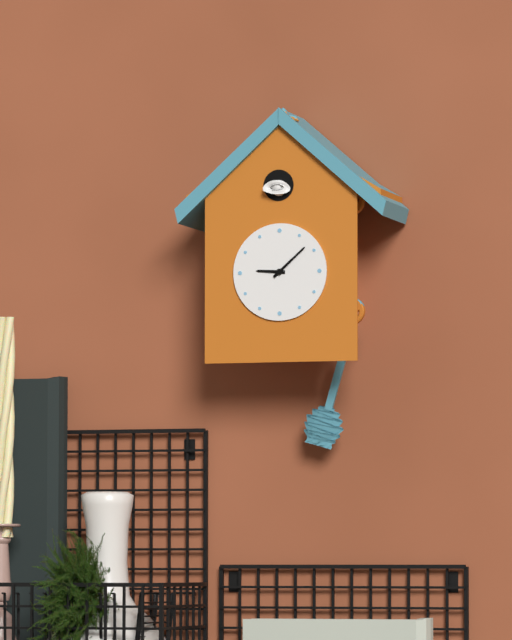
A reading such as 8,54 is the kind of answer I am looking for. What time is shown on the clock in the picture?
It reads 9,08
